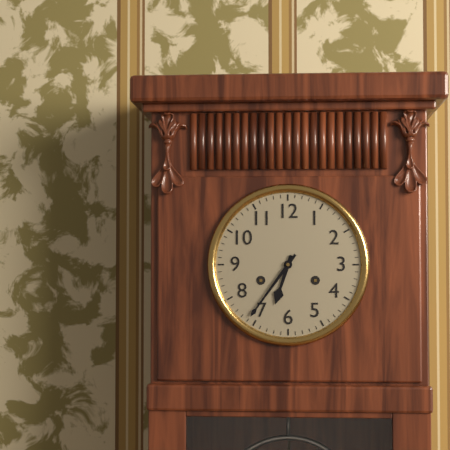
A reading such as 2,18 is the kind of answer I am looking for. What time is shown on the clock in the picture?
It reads 6,36
